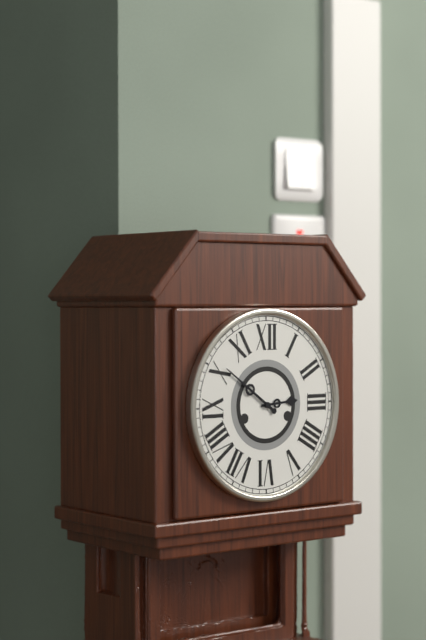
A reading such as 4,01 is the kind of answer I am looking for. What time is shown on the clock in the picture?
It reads 2,51
